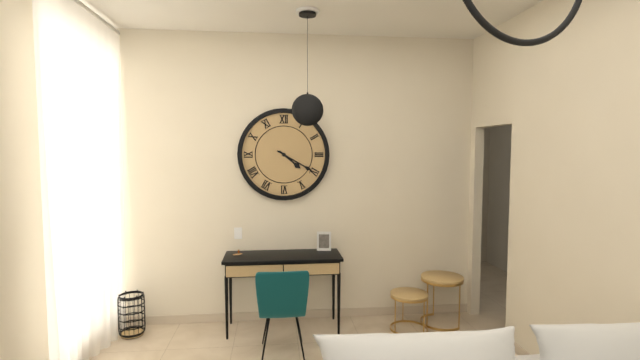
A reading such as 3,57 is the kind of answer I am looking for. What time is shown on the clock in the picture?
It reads 4,20
